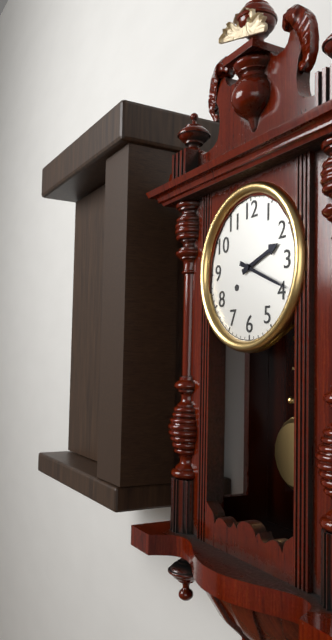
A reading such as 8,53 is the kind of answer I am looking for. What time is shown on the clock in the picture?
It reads 2,19
